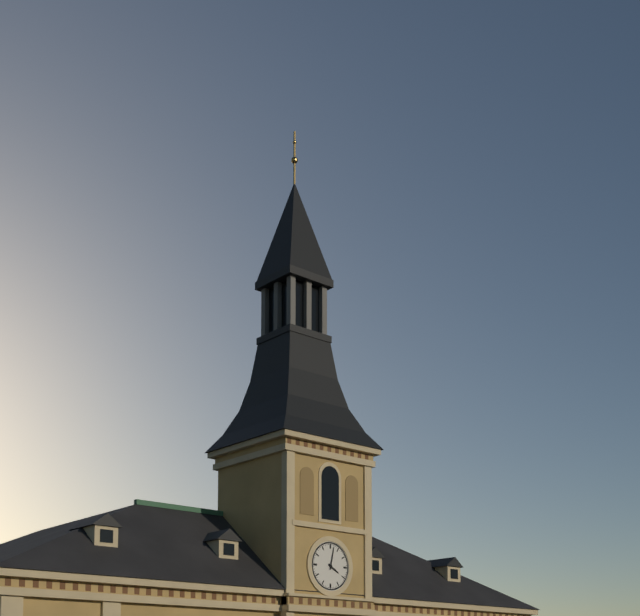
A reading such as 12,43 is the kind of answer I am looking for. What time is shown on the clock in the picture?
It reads 4,02
